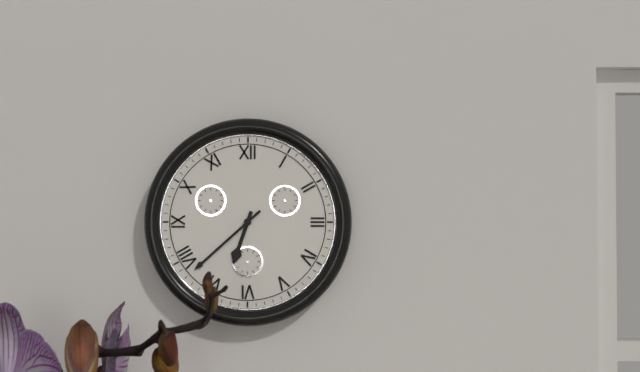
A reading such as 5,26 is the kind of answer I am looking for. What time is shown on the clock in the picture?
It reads 6,38
